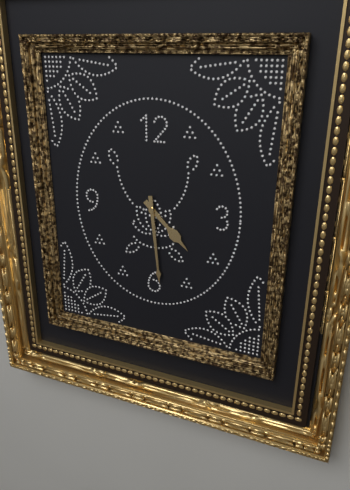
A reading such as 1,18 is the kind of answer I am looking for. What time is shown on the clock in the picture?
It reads 4,29
